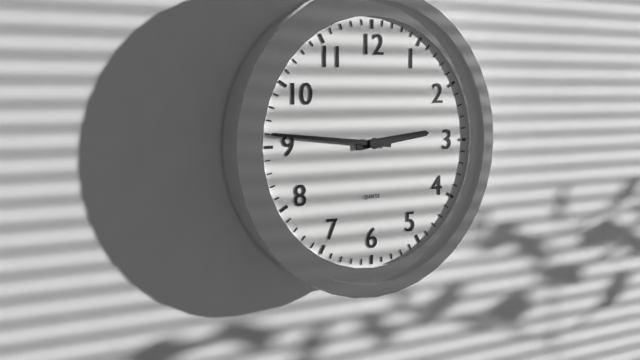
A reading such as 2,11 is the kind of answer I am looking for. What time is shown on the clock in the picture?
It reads 2,46
